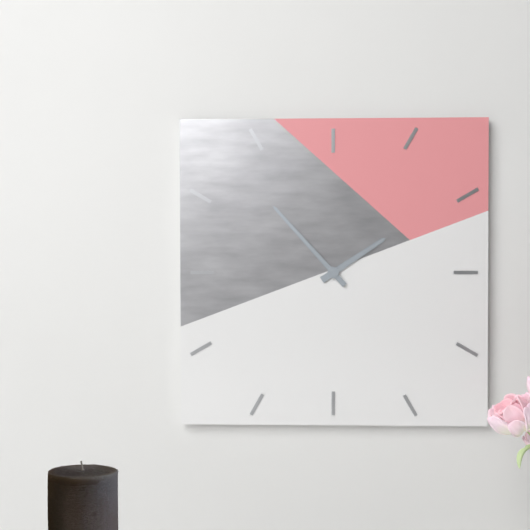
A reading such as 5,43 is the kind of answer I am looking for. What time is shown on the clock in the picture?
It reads 1,53
